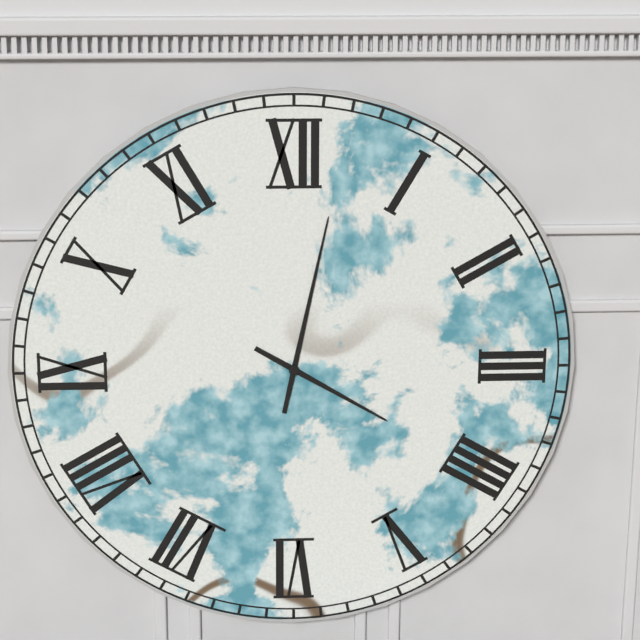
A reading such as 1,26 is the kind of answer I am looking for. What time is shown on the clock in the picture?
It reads 4,02
